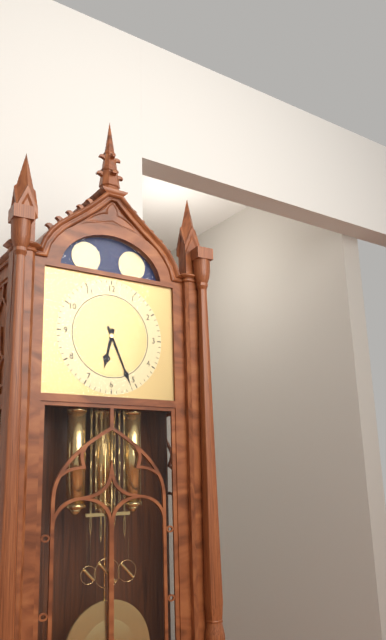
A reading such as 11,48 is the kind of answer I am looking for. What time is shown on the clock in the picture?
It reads 6,26
